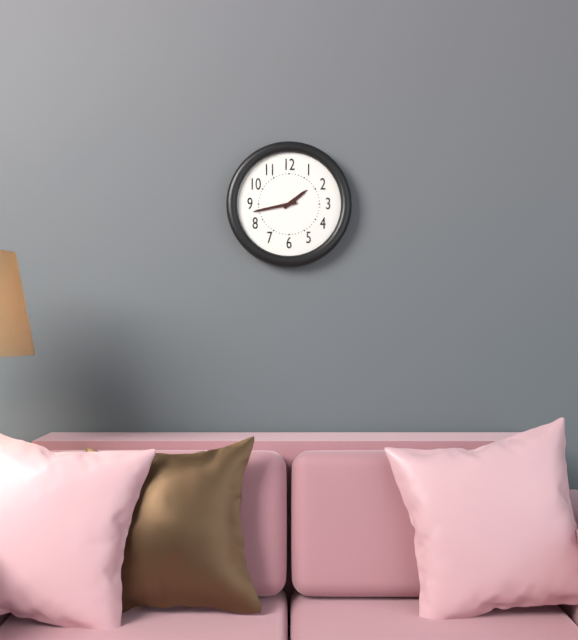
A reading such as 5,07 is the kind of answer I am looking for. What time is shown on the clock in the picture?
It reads 1,43
